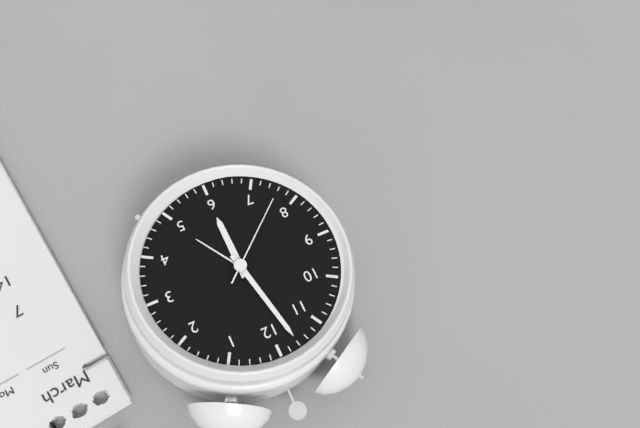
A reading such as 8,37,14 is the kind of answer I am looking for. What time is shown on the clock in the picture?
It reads 5,58,38
